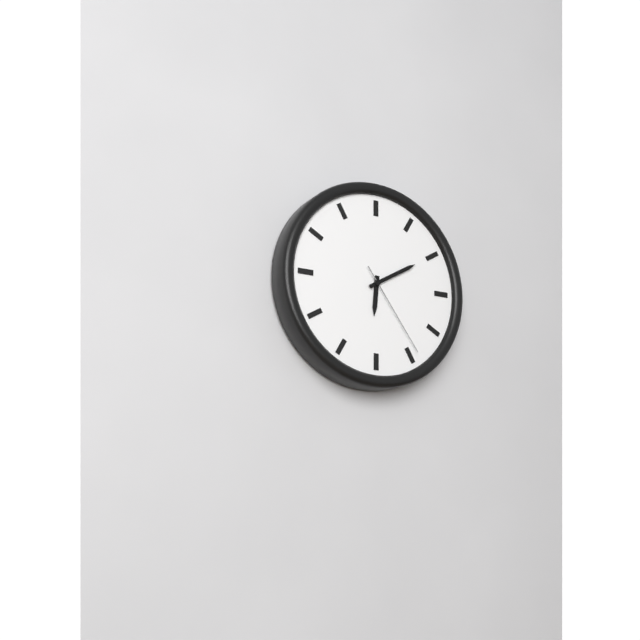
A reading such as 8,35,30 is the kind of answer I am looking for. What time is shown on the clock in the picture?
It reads 6,10,24
